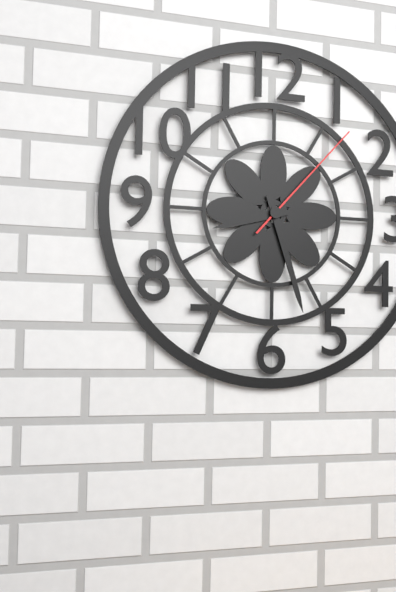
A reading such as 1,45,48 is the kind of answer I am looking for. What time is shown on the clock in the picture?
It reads 8,27,07
